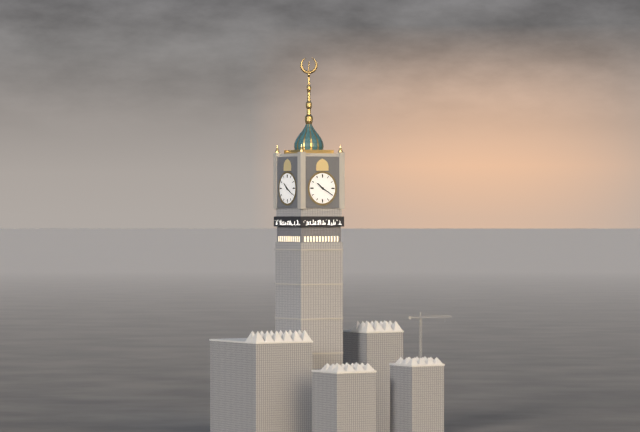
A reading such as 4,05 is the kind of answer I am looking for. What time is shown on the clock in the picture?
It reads 10,20
